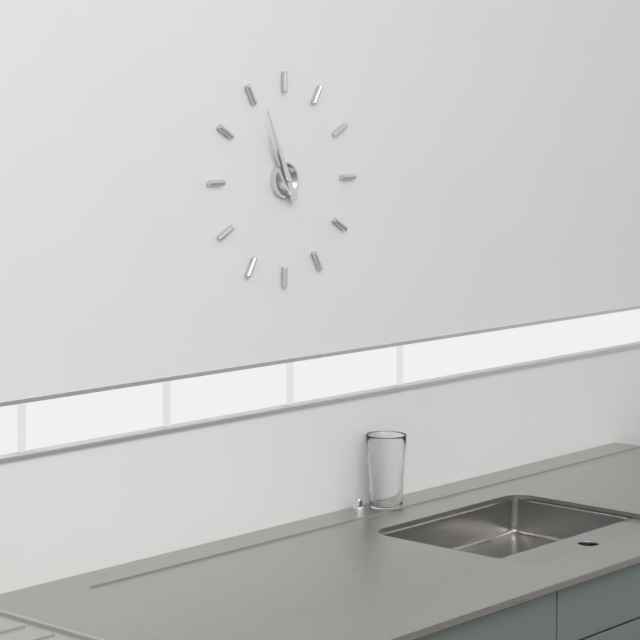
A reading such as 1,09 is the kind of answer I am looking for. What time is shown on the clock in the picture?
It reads 10,56
